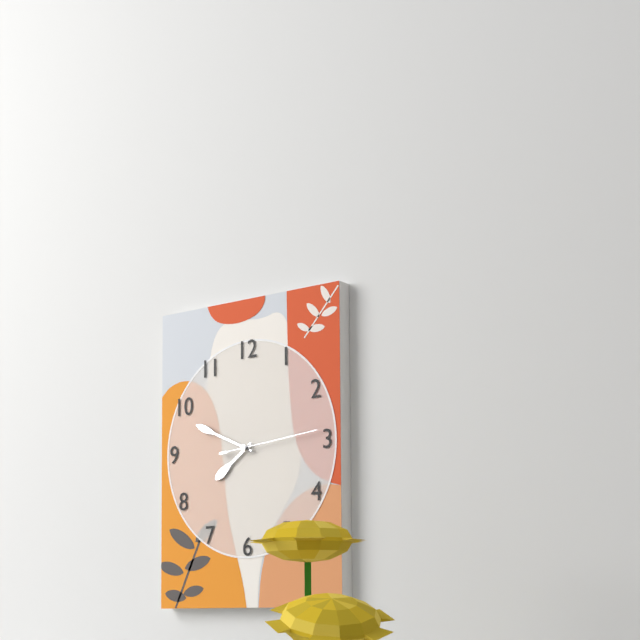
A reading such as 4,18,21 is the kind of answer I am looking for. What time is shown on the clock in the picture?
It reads 7,49,14
